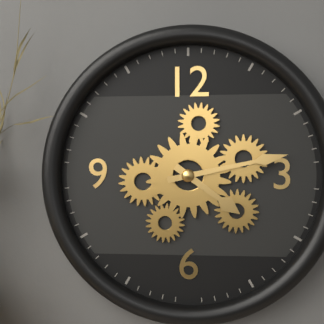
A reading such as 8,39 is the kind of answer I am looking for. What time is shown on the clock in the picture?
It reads 4,13
